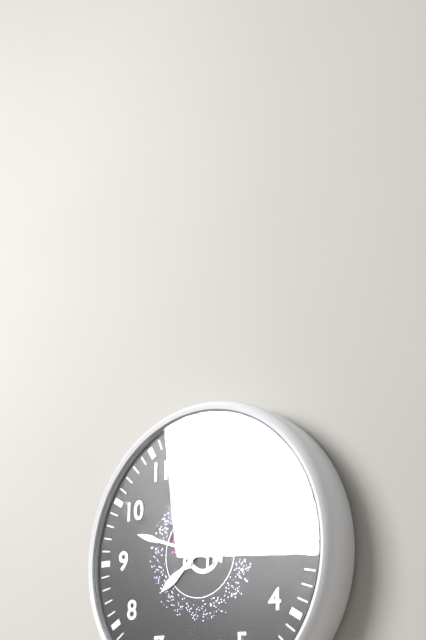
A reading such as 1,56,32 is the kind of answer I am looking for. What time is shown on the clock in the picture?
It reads 7,48,07
